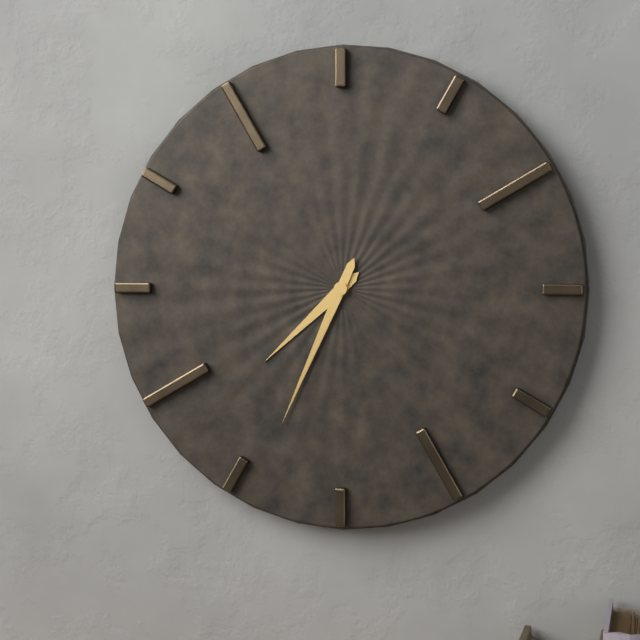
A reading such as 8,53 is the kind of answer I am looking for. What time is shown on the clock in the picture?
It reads 7,34
